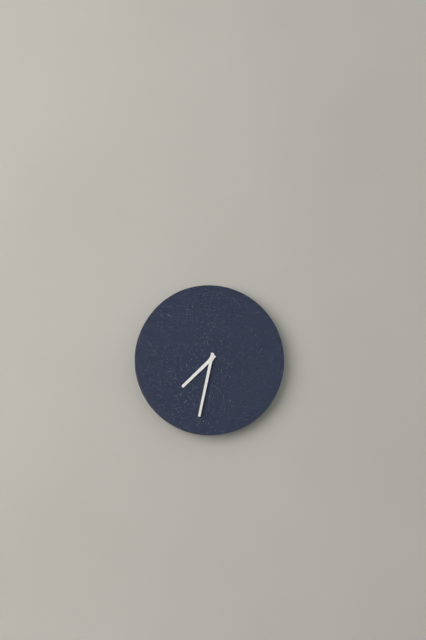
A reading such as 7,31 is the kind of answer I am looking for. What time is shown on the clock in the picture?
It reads 7,32
